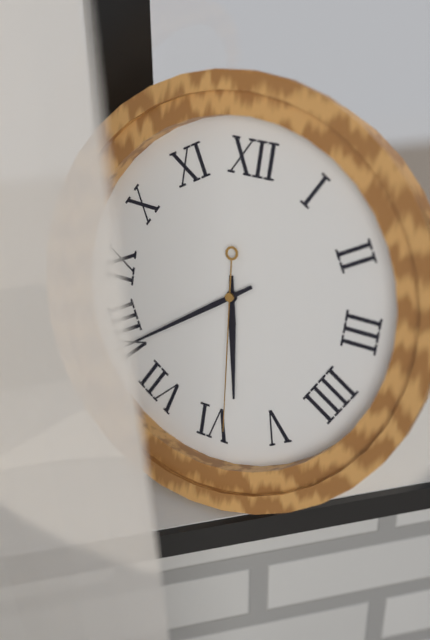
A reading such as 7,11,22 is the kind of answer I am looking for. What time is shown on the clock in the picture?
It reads 5,39,29
